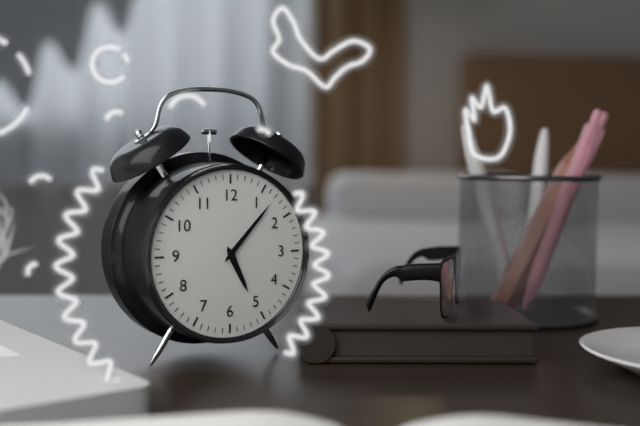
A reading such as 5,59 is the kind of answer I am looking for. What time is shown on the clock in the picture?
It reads 5,07
